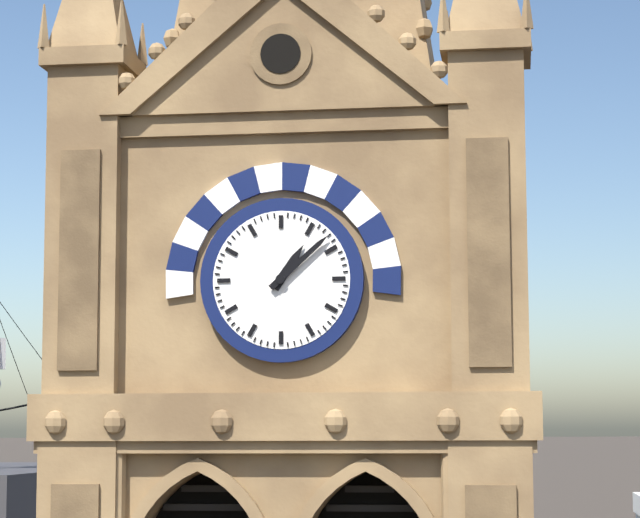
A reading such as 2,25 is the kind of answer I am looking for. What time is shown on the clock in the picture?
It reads 1,08
